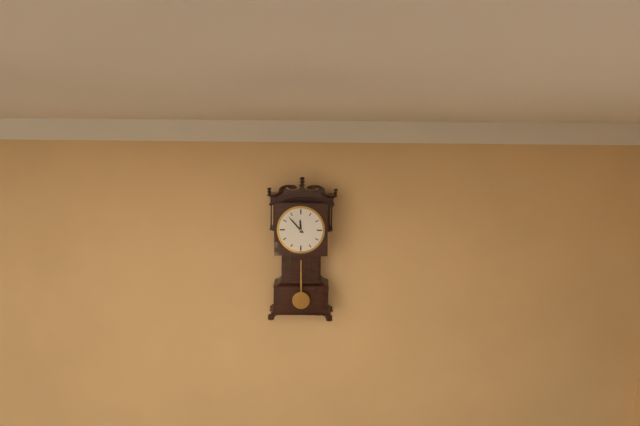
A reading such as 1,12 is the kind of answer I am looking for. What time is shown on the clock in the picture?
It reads 11,53
